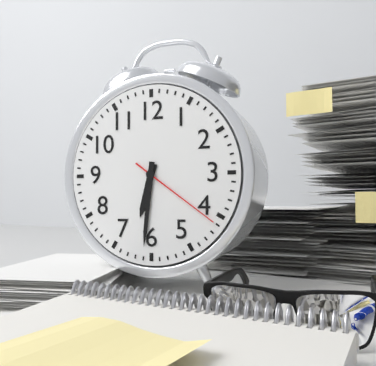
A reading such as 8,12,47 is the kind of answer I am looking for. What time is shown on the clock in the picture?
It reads 6,31,21
